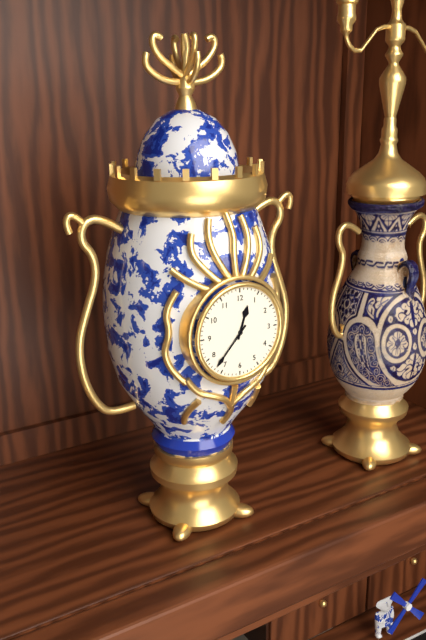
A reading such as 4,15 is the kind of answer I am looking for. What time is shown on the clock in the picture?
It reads 12,37
